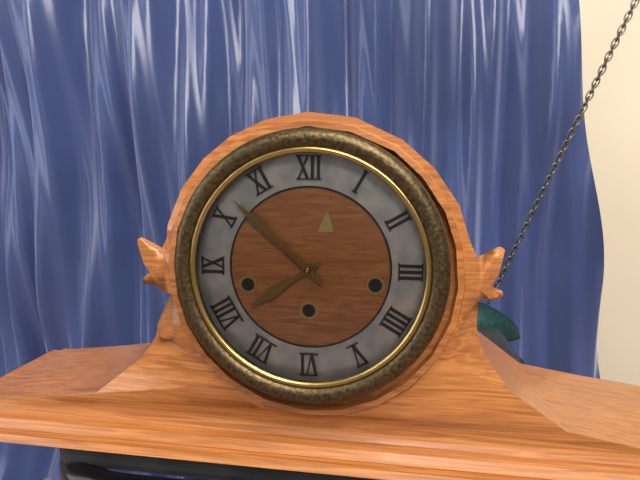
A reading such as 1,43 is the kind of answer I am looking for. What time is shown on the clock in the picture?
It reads 7,52
